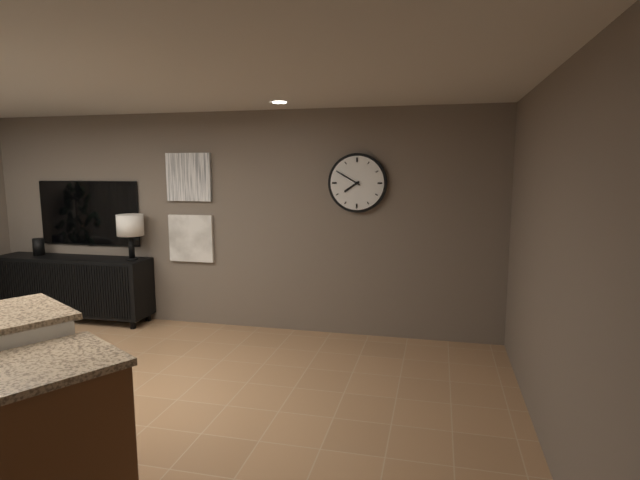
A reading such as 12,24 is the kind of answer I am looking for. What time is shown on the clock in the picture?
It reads 7,50
